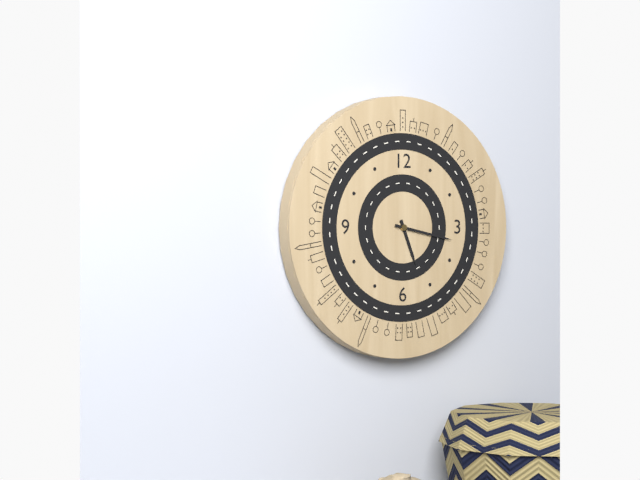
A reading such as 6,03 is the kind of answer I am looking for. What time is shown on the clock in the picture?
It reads 5,17
